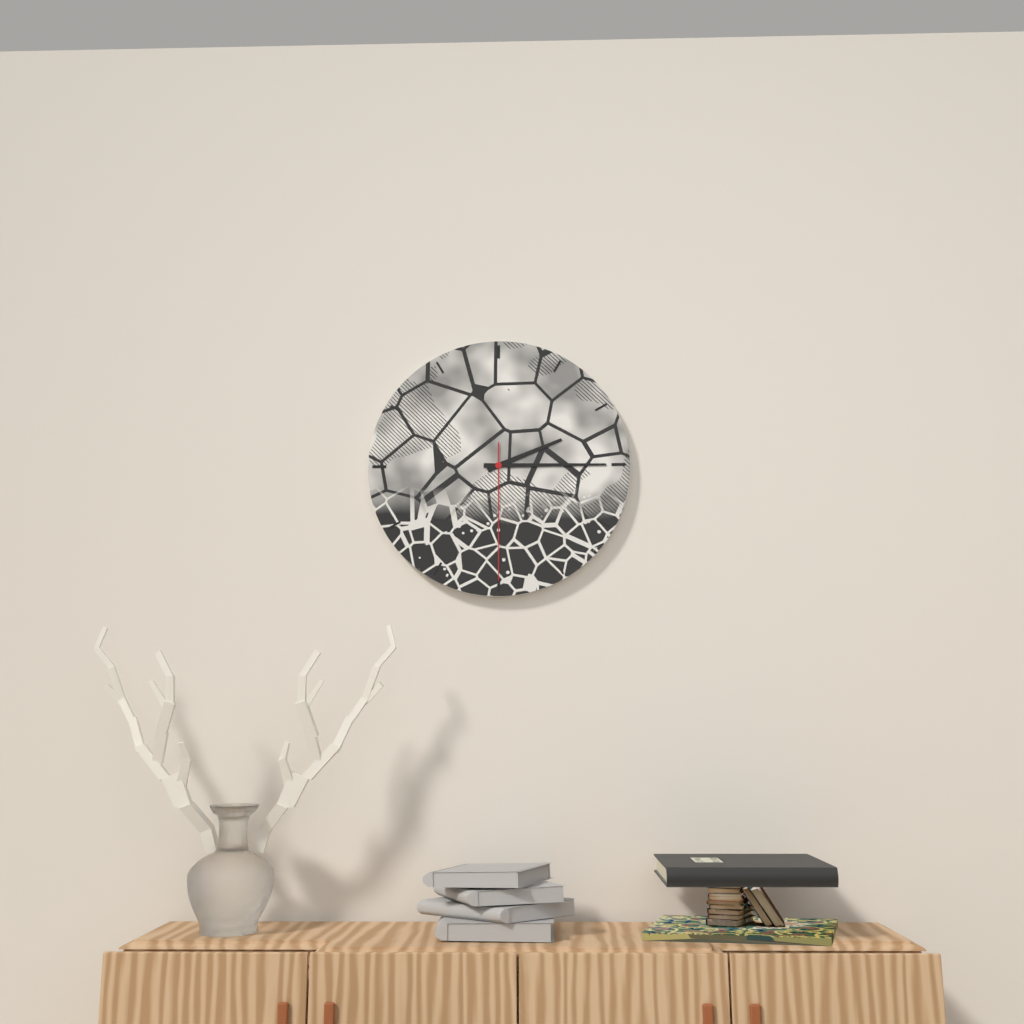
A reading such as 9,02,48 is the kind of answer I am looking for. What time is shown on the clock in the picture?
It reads 2,15,30
